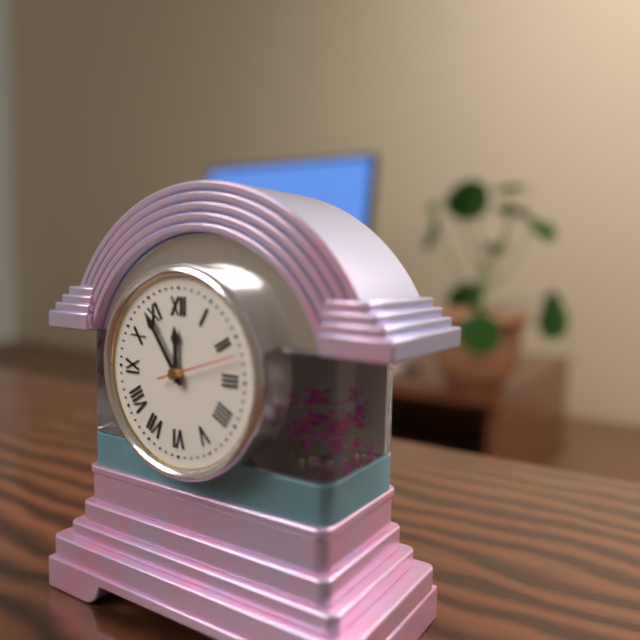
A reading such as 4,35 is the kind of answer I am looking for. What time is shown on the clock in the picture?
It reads 11,54
